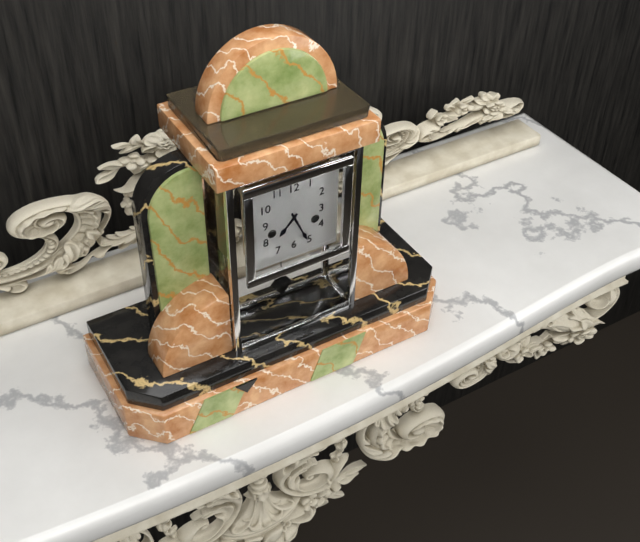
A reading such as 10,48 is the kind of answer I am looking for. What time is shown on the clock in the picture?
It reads 7,26
